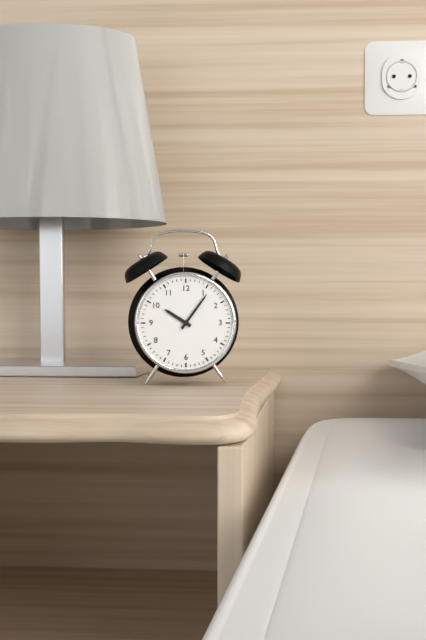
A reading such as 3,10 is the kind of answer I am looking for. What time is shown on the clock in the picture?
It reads 10,06
